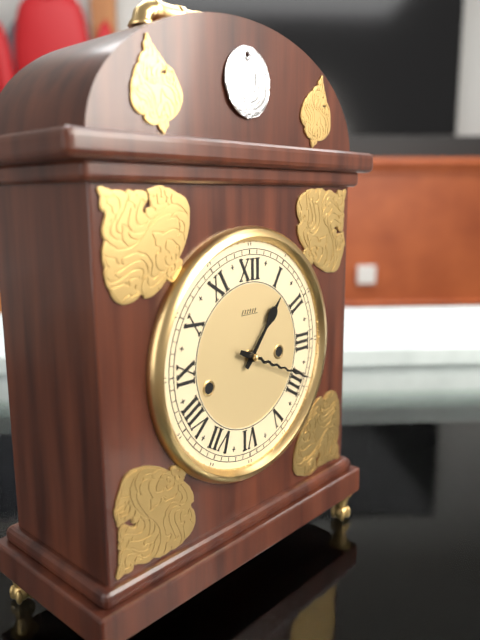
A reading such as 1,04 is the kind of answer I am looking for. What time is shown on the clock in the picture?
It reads 1,19
